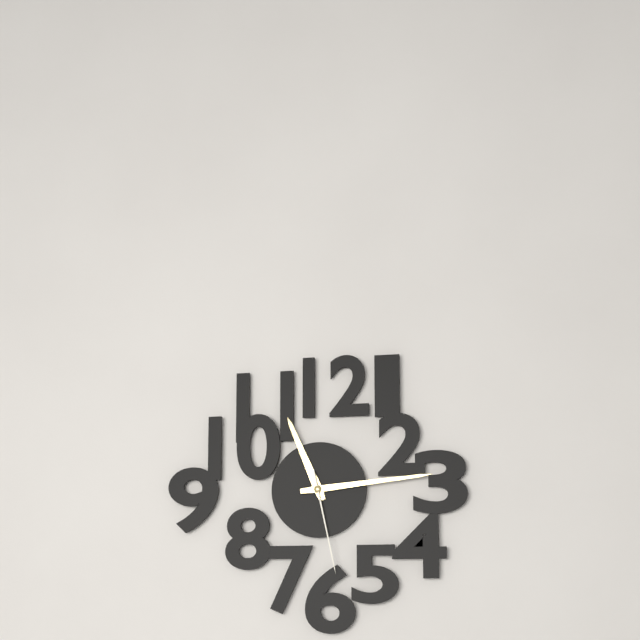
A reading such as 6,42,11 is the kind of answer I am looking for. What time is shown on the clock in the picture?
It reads 11,14,28
